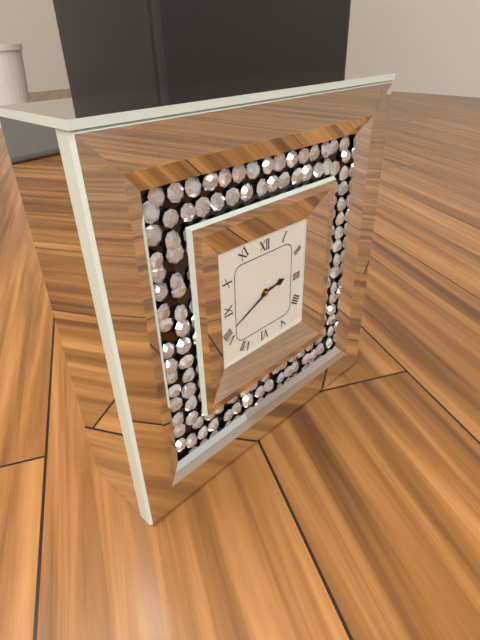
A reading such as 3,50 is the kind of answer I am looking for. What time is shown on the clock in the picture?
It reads 2,41
